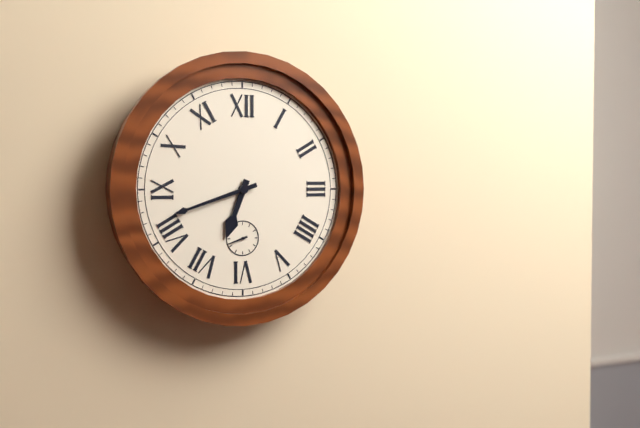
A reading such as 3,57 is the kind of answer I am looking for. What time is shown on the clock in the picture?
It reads 6,42
